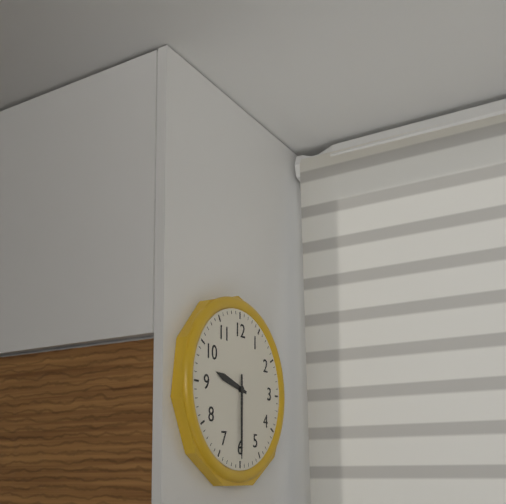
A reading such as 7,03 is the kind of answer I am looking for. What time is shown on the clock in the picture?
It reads 9,30
